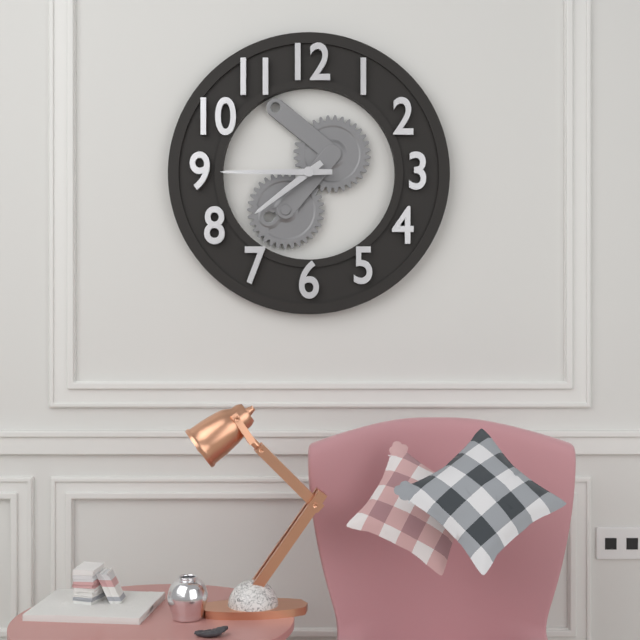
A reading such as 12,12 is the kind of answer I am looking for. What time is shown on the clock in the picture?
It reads 7,45
